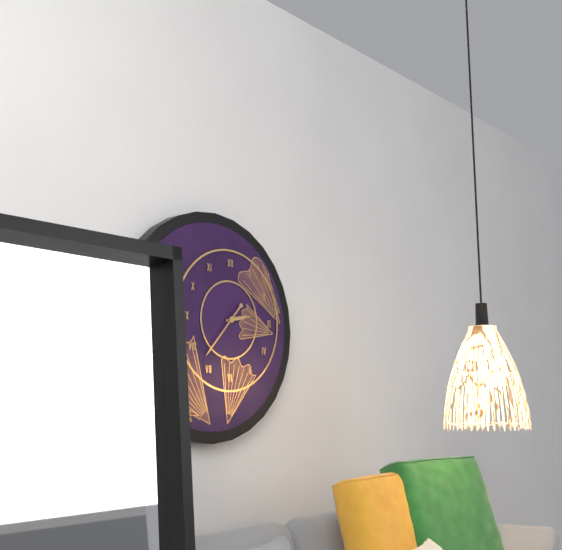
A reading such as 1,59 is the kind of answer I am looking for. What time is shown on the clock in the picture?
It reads 2,37
